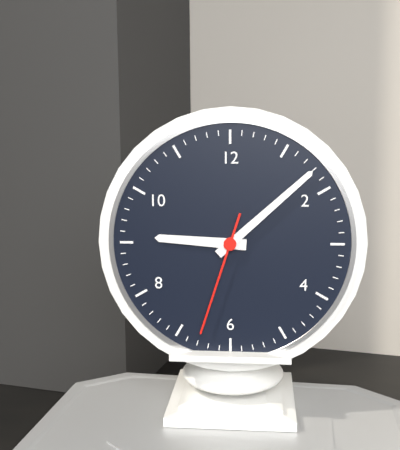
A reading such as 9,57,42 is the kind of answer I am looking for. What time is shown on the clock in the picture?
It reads 9,08,33
